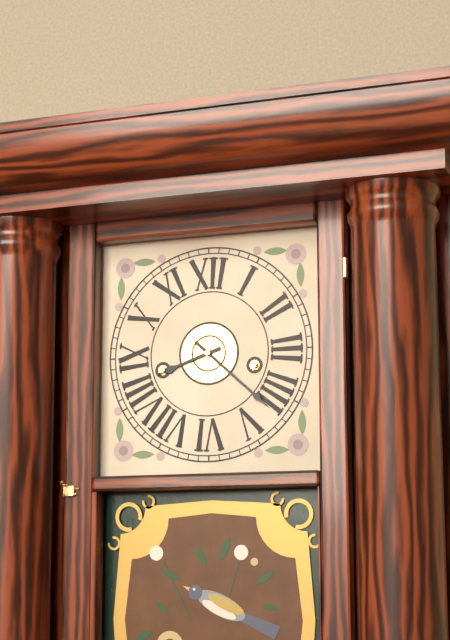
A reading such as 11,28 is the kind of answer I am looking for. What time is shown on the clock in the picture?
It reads 8,22
